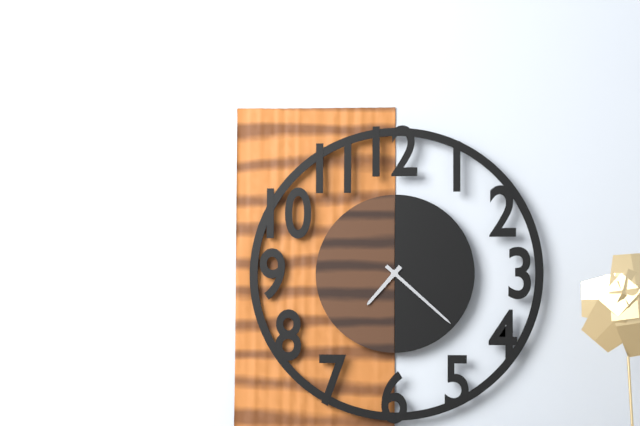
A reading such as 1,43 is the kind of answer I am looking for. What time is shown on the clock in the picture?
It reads 7,22
